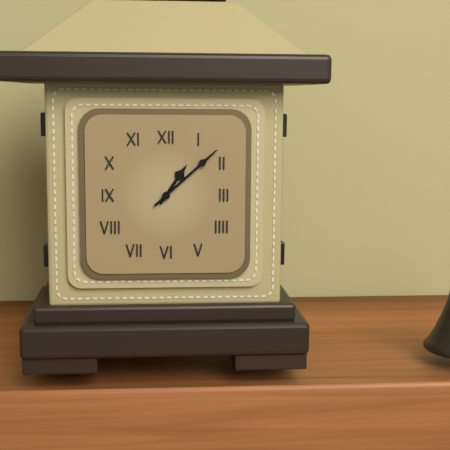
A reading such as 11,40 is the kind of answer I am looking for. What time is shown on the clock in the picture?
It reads 1,08
